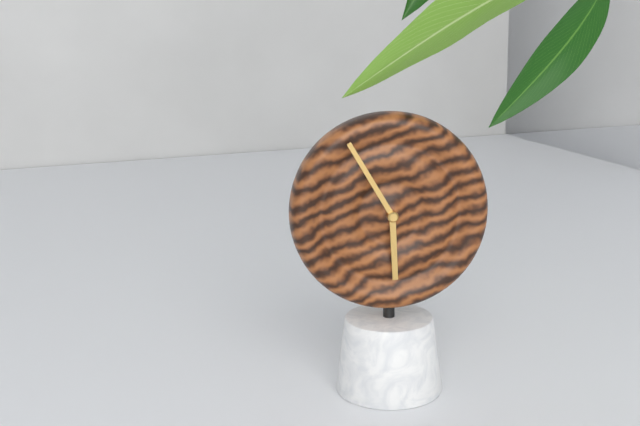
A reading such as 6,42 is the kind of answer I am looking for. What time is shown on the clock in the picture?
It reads 5,55
